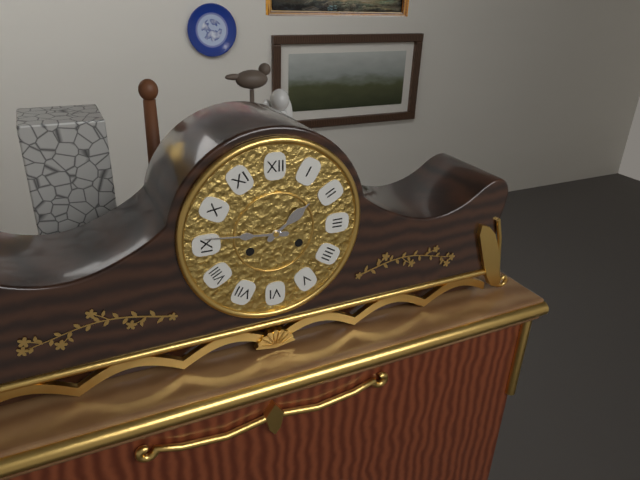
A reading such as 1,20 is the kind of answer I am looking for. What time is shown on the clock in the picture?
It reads 1,46
